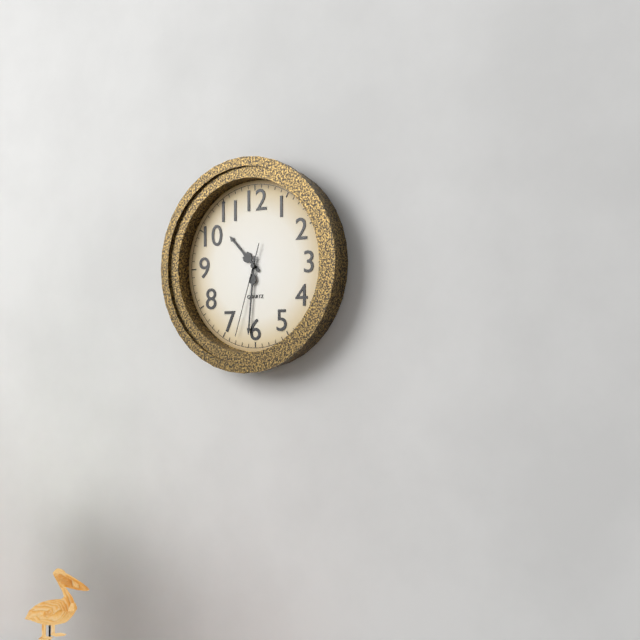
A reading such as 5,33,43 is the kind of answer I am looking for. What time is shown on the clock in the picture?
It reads 10,31,33
